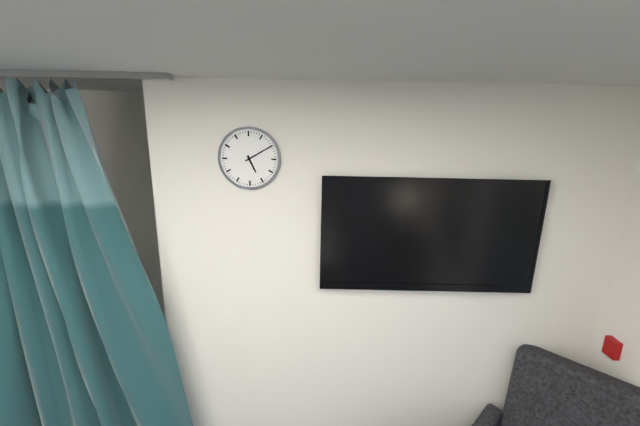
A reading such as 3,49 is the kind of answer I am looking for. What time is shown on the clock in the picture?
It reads 5,10
